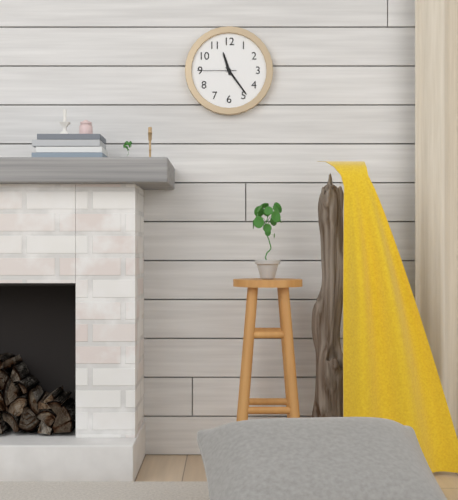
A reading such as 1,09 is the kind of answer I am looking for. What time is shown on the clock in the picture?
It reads 11,24
